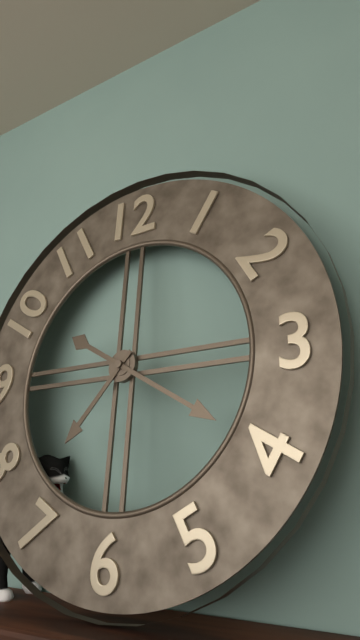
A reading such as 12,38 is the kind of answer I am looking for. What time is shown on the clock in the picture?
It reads 7,20
